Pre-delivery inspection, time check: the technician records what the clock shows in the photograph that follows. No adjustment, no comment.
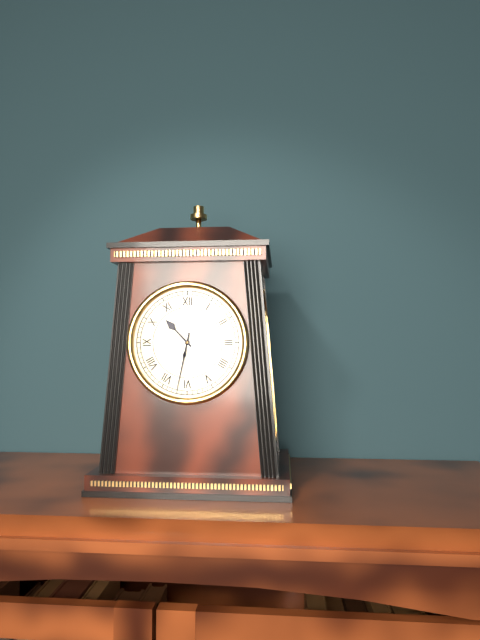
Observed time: 10:32
